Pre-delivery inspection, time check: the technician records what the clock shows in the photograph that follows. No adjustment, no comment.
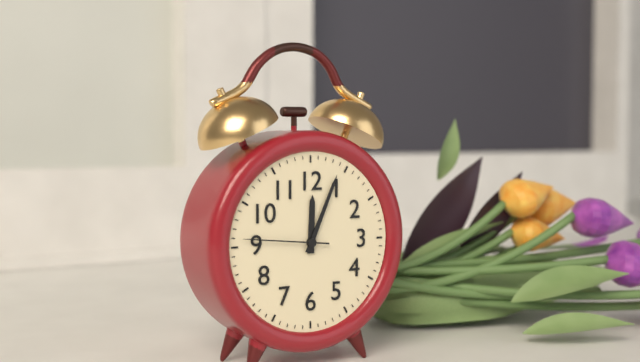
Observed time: 12:04:46
